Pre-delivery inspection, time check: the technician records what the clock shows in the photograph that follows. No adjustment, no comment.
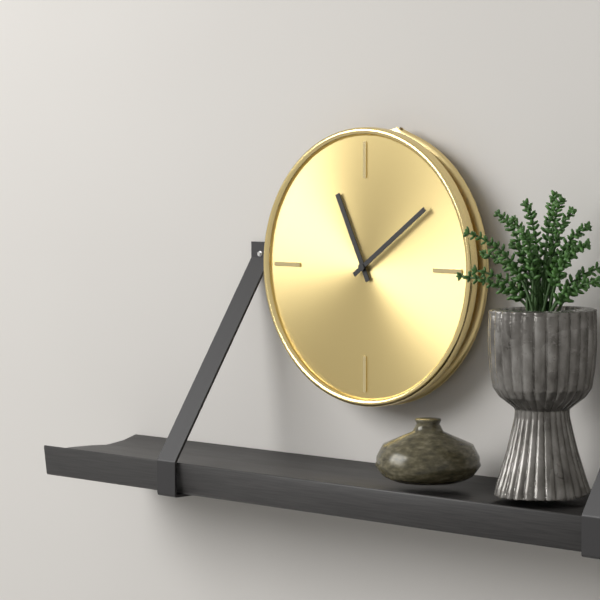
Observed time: 11:09
